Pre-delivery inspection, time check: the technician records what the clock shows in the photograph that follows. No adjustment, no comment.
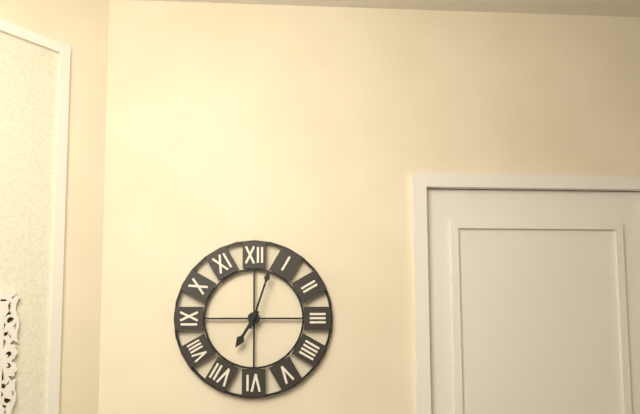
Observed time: 7:03
